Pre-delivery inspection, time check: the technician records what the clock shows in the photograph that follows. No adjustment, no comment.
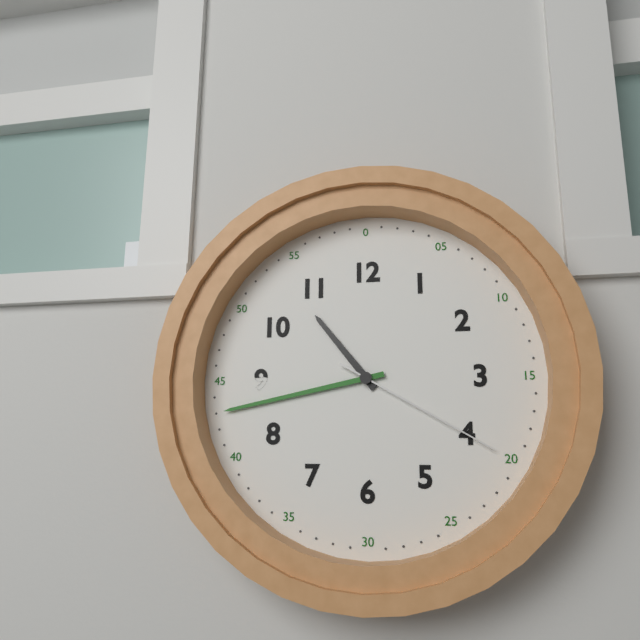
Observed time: 10:43:20
